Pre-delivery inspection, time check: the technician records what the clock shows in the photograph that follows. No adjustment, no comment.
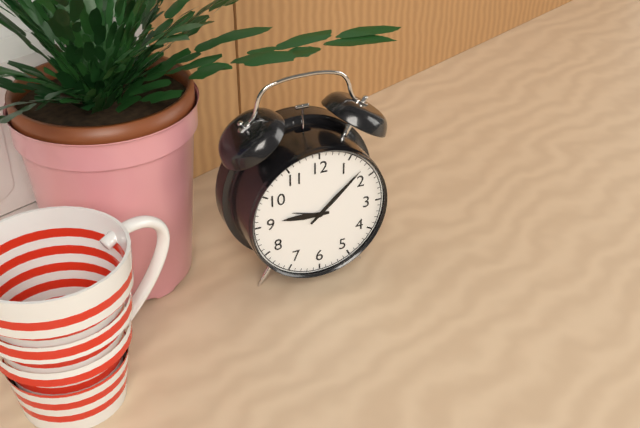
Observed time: 9:08
